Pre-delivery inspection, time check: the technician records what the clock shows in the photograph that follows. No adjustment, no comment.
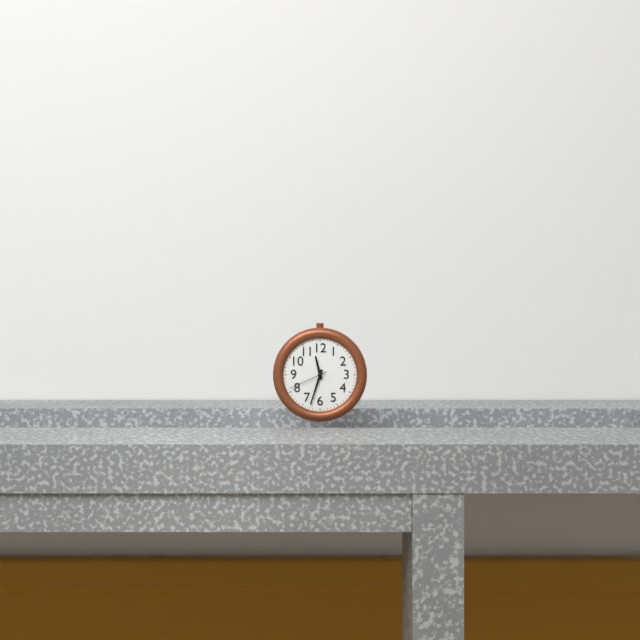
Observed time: 11:33
